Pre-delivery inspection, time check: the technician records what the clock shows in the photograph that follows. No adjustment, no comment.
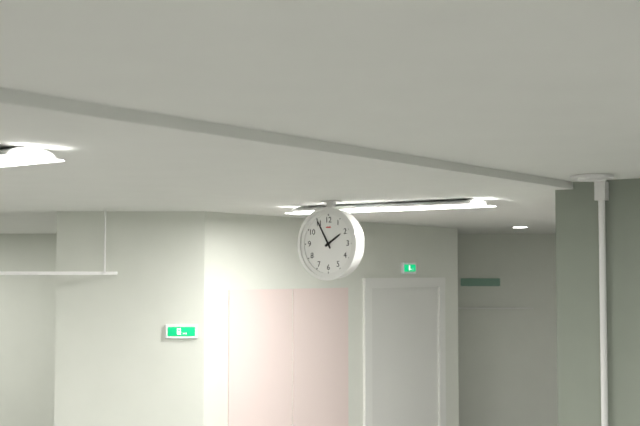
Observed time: 1:55
